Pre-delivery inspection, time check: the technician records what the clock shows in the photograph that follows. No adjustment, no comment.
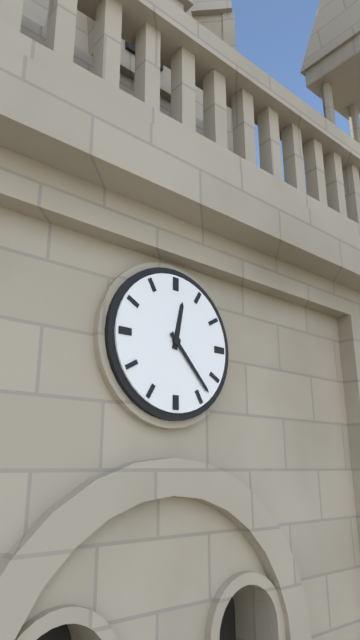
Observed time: 12:23
